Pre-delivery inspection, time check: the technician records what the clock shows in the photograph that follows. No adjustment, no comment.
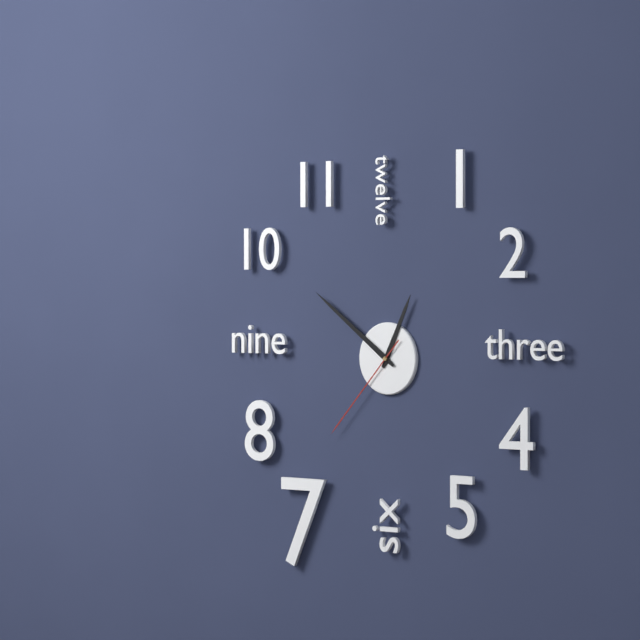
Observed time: 12:51:37
